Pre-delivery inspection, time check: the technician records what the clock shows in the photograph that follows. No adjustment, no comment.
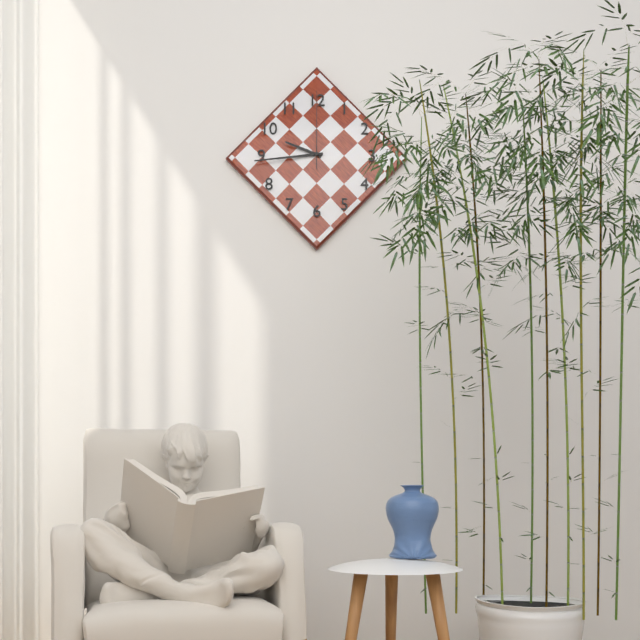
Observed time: 9:44:00
